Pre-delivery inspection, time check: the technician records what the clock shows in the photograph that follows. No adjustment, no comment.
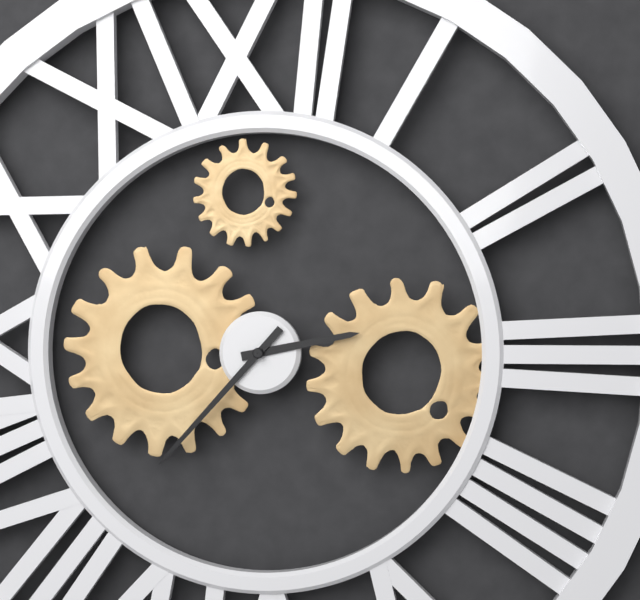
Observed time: 2:37
